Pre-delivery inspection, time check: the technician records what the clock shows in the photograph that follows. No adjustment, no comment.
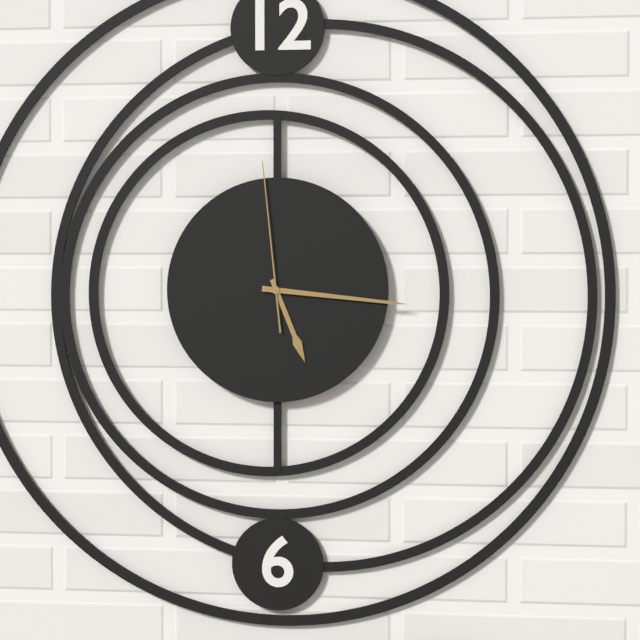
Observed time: 5:16:59
